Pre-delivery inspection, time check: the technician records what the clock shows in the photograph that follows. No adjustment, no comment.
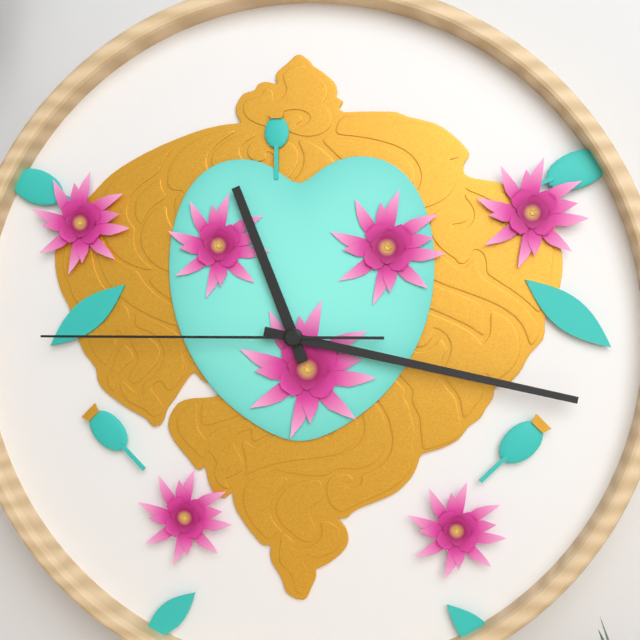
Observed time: 11:17:45
